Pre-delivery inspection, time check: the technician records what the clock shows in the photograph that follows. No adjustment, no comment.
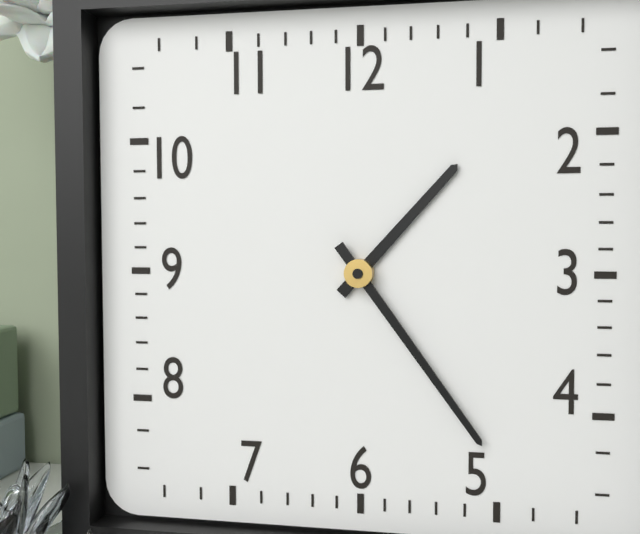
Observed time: 1:24
